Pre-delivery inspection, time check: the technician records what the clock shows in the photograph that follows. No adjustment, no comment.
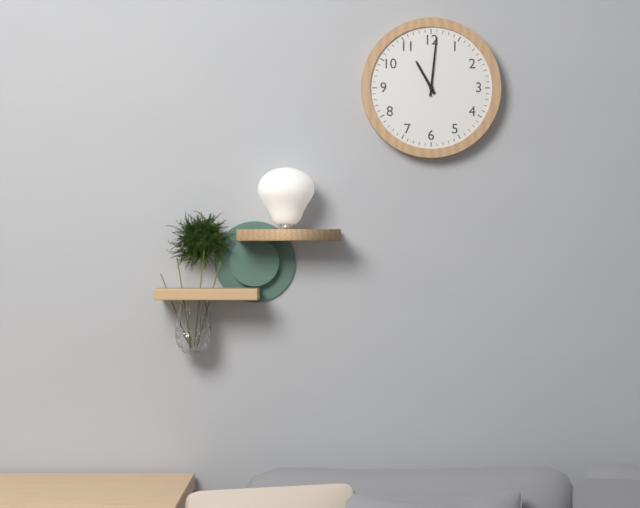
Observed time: 11:01
